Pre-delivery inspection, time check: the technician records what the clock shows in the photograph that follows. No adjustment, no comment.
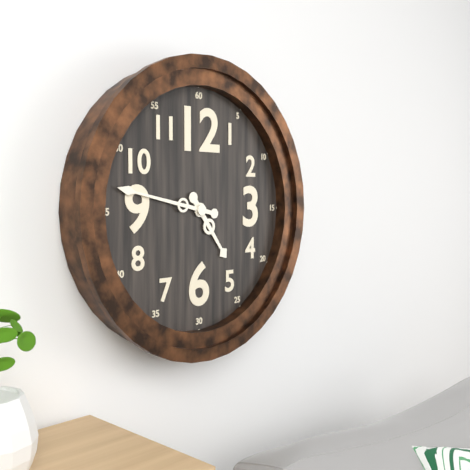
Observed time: 4:47
